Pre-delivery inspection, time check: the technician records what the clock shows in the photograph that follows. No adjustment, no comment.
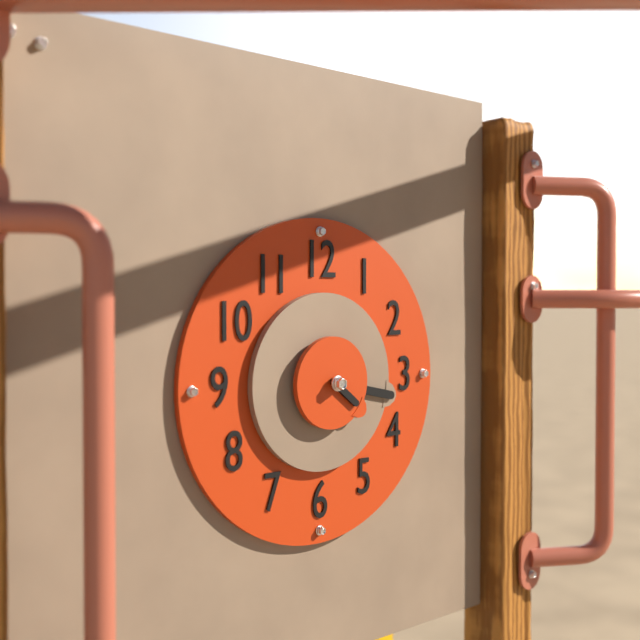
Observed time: 4:17
